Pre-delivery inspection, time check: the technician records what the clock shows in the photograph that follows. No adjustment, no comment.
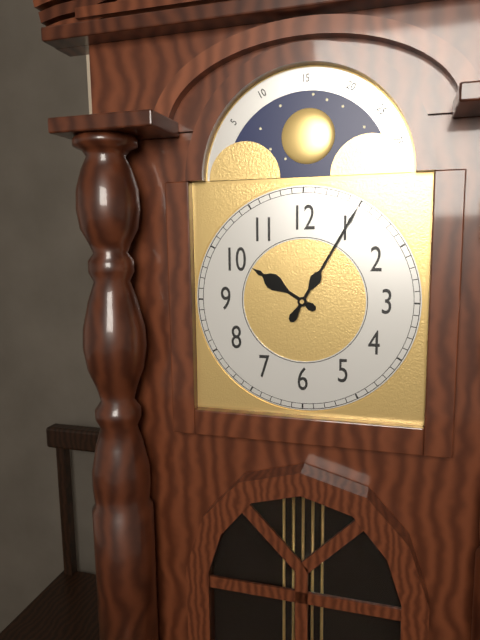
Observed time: 10:05
